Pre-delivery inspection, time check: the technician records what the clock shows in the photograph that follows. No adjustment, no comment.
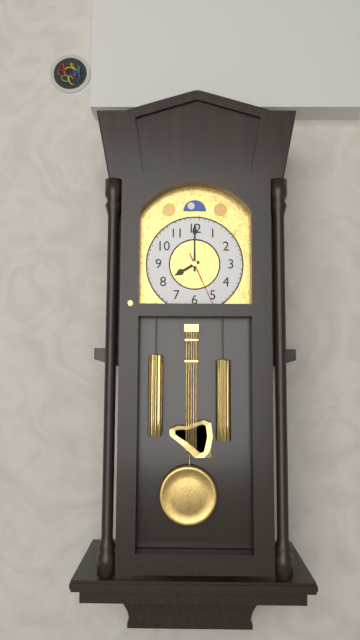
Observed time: 8:00:26
